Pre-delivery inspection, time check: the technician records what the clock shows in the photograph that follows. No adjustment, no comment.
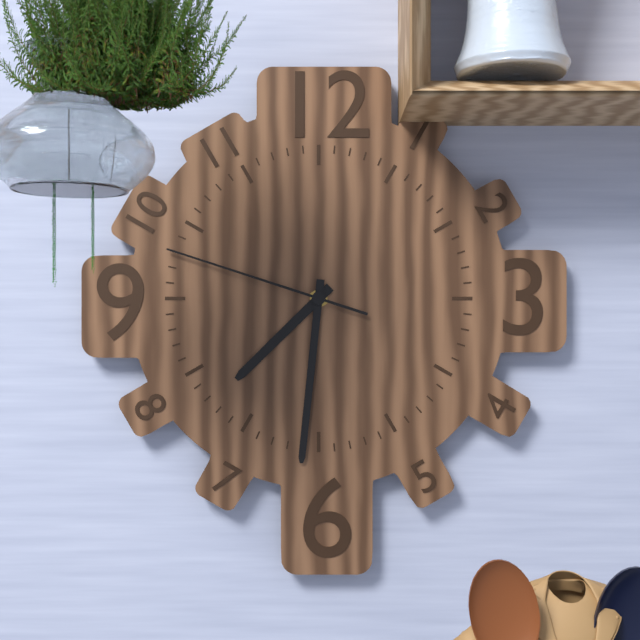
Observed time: 7:31:48
